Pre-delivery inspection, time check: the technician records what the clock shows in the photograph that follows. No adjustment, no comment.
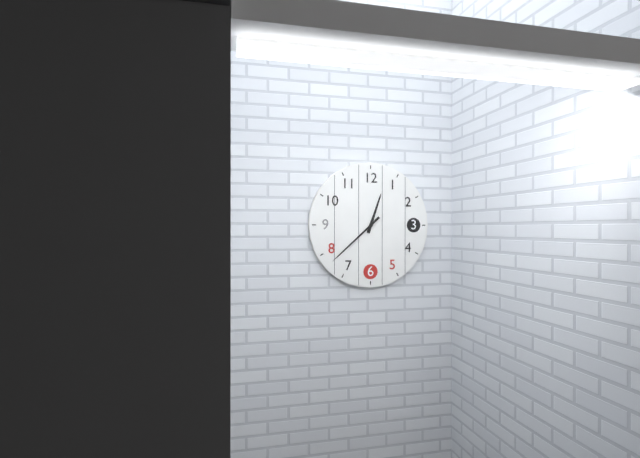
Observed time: 12:38
